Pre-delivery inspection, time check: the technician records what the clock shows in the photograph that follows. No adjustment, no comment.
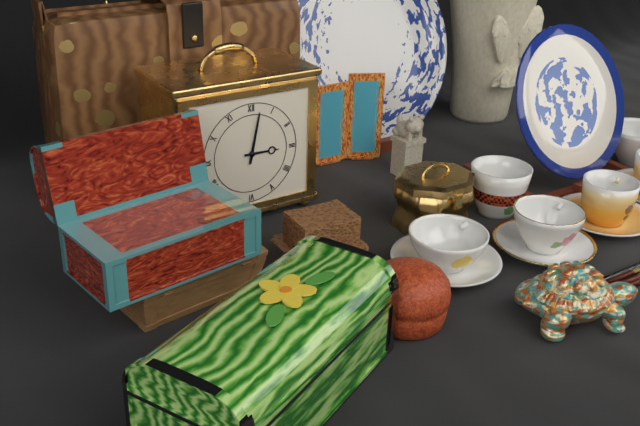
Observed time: 3:02
